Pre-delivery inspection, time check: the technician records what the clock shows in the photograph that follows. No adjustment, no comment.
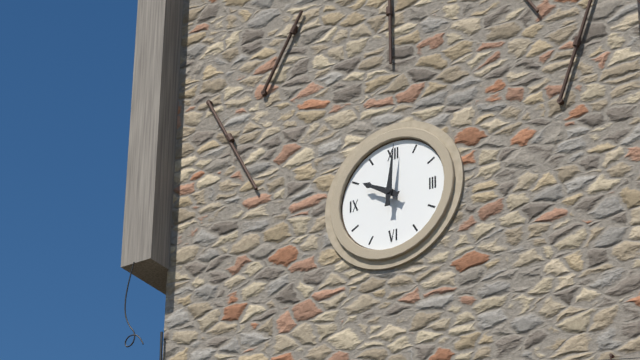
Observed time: 10:01
